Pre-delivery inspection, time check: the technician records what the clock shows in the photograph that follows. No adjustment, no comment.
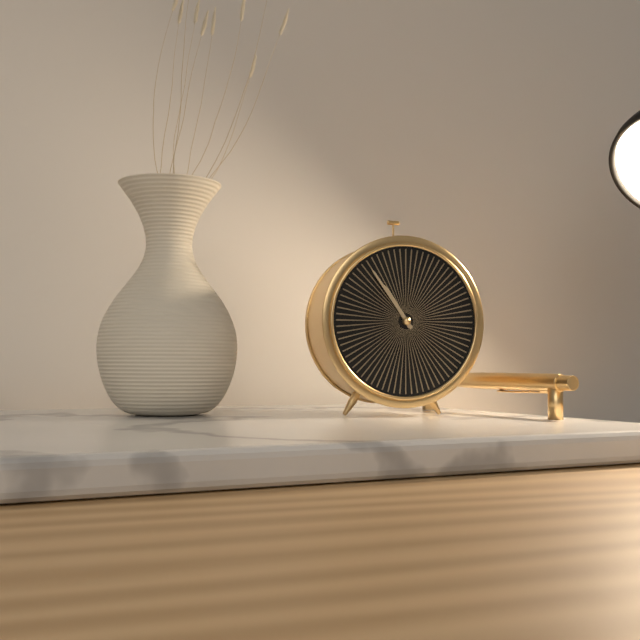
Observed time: 10:54
